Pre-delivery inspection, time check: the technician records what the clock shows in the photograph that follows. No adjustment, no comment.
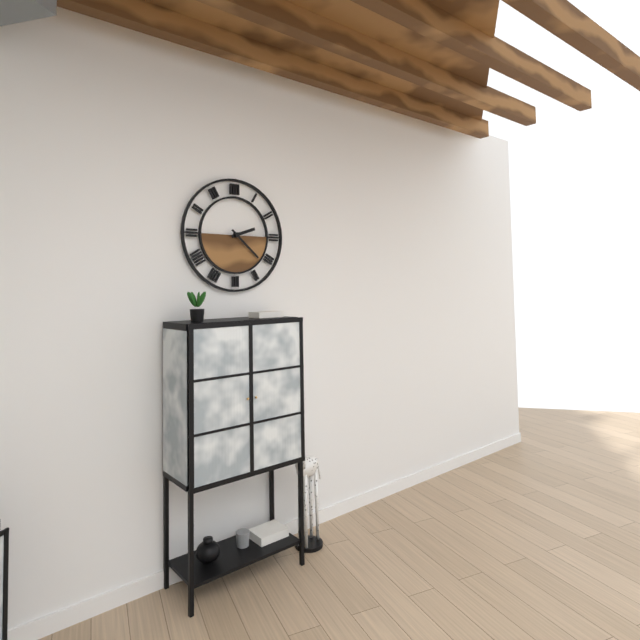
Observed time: 2:22
